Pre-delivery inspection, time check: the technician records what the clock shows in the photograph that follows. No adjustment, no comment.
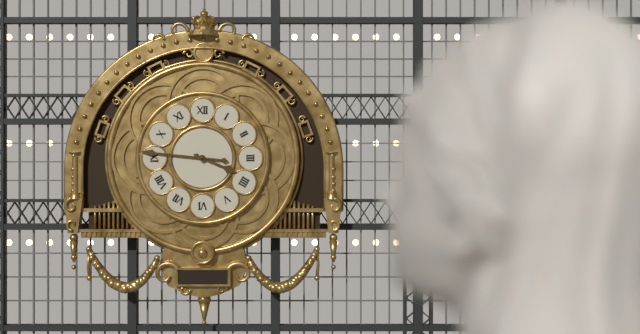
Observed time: 3:46
